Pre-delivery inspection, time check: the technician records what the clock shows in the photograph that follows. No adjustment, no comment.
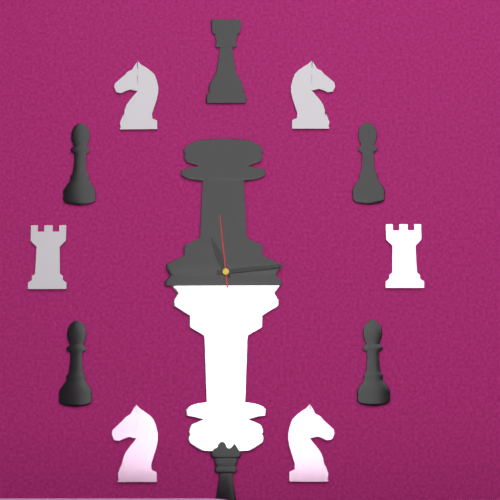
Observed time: 11:14:59
